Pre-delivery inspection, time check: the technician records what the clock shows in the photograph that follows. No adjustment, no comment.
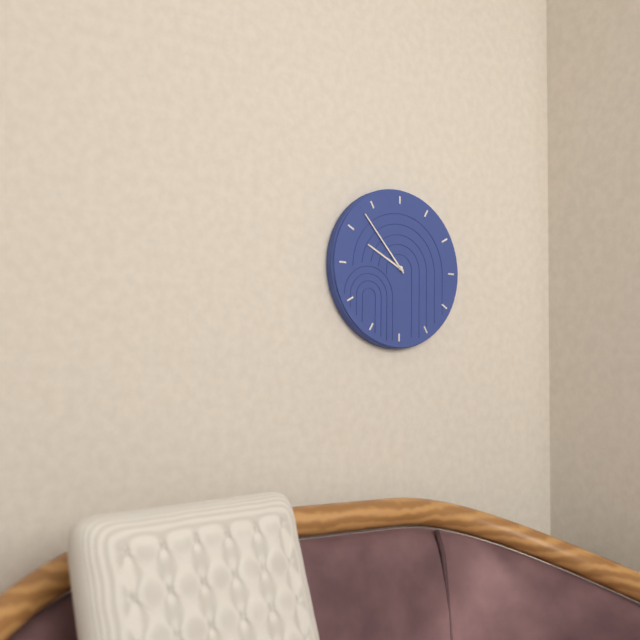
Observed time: 9:53
